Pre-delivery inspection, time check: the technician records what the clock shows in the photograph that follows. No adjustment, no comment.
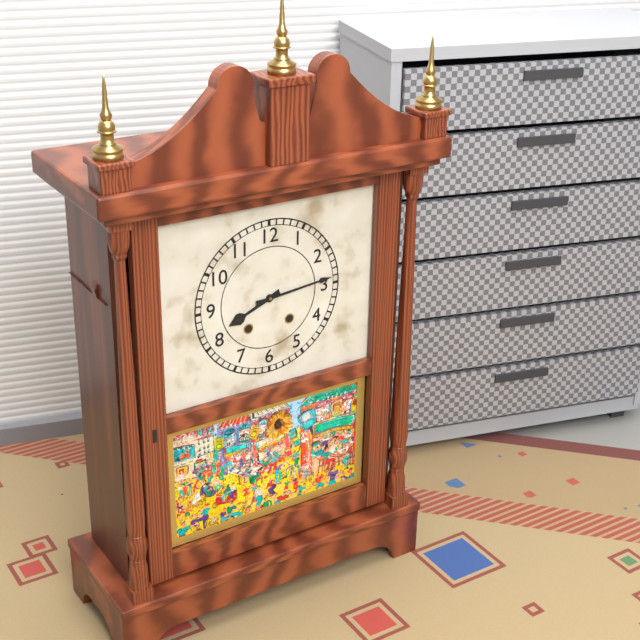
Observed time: 8:14
